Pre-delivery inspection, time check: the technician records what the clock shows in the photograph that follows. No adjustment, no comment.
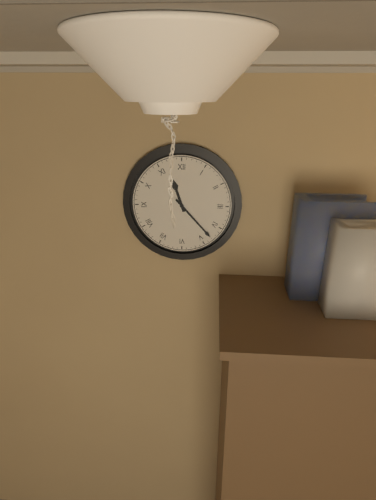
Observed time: 11:23
